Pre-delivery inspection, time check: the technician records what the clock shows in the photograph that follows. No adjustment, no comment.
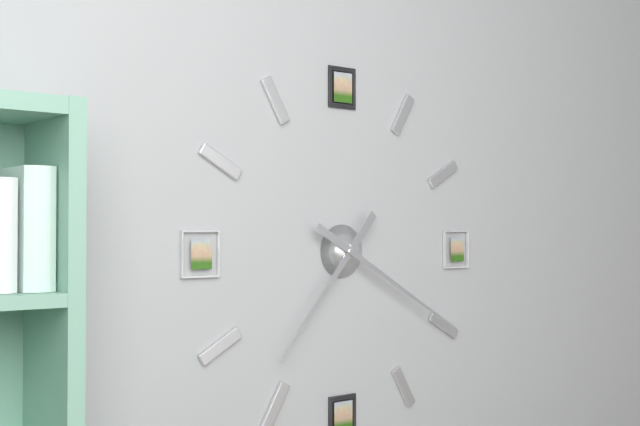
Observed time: 7:20
